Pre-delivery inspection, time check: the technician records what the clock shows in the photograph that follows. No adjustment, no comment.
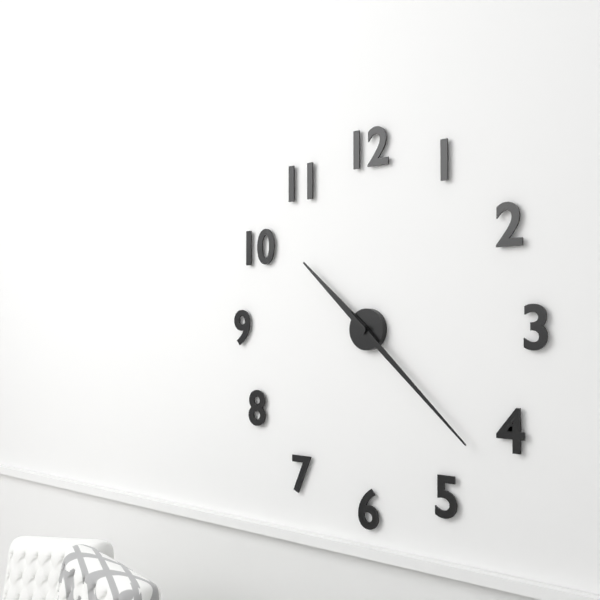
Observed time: 10:22
